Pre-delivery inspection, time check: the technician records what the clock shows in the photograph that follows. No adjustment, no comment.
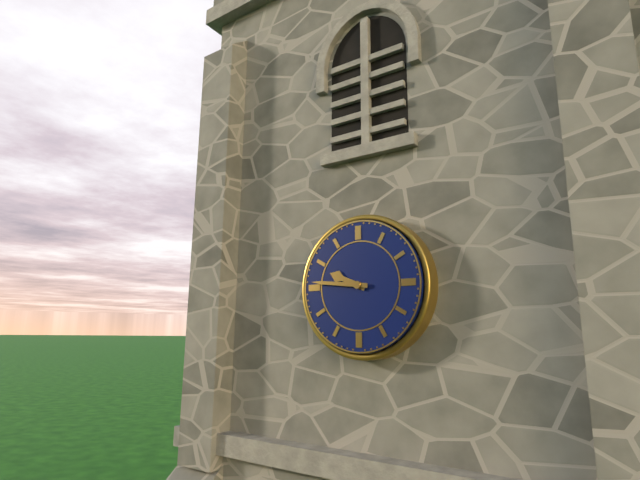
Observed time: 9:46
